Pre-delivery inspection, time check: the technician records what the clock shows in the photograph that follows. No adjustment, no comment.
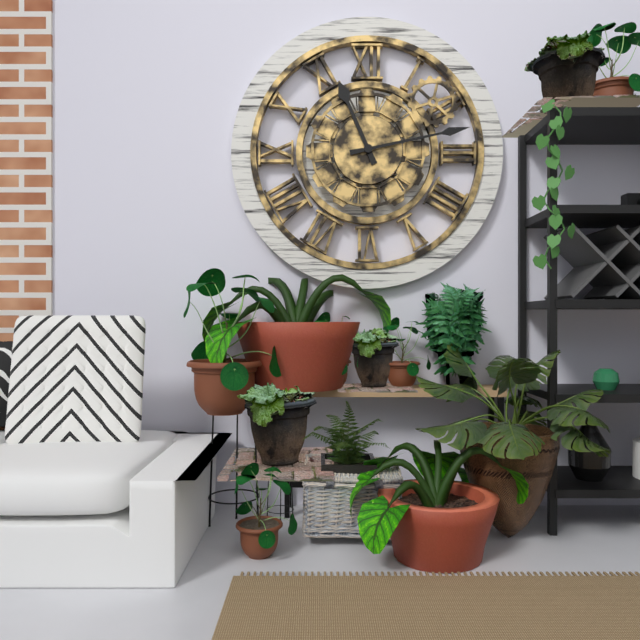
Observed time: 11:13
